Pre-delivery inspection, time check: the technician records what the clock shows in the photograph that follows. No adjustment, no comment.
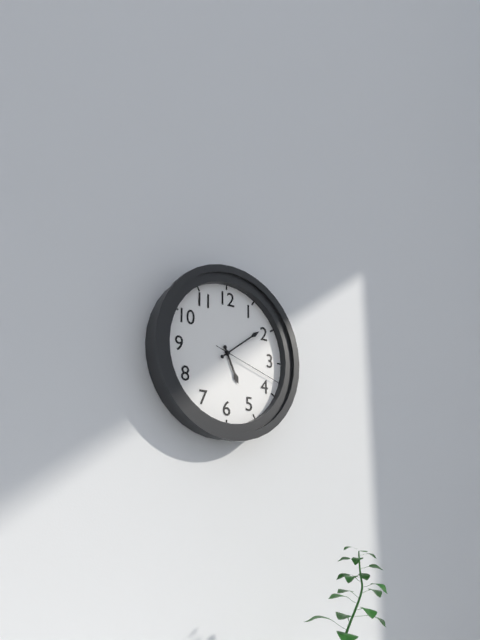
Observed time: 5:09:18
